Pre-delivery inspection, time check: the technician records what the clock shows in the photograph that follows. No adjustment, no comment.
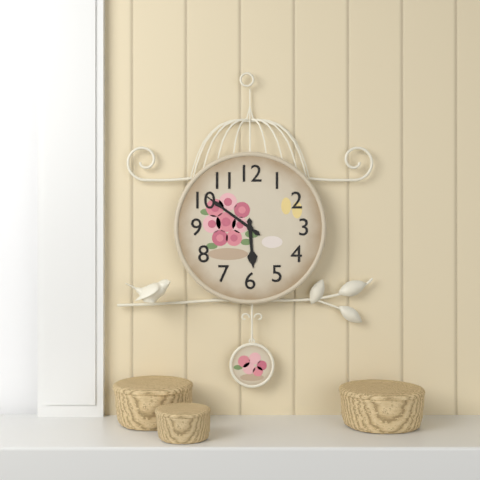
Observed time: 5:51
